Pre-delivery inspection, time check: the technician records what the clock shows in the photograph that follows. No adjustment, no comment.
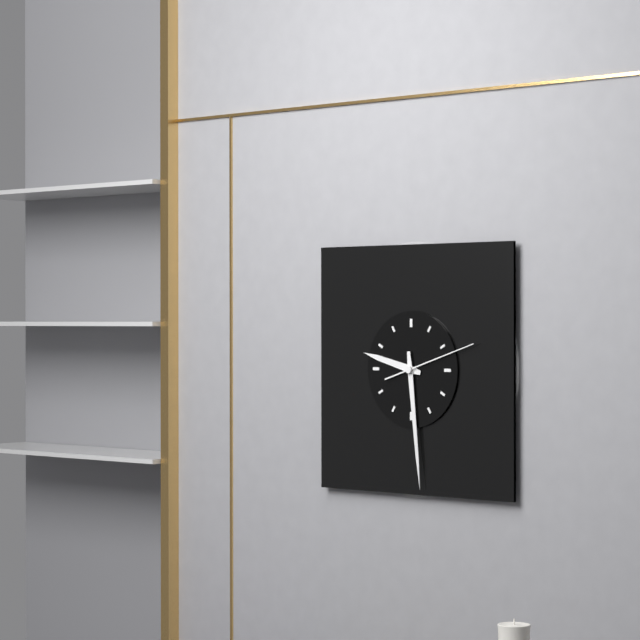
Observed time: 9:29:12
